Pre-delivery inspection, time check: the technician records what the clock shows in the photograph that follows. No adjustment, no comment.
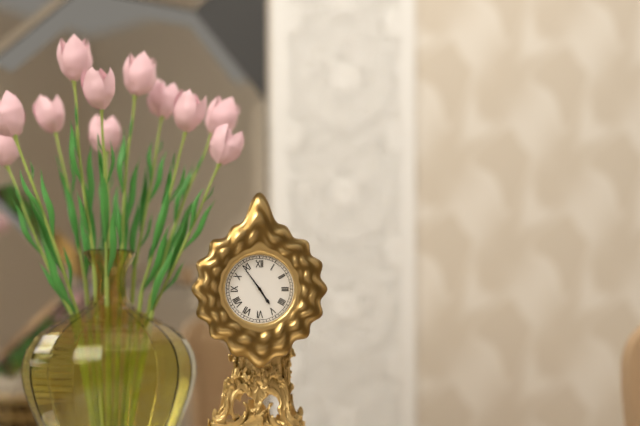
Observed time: 4:54
